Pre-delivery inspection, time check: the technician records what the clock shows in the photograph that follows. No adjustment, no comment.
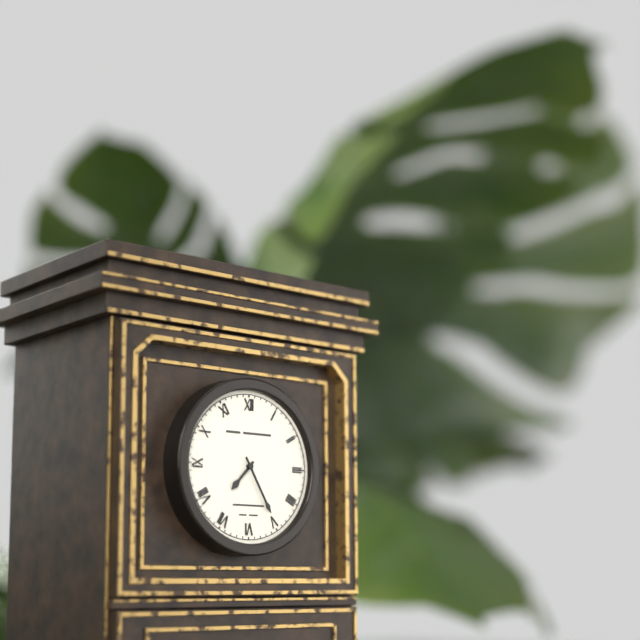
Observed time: 7:25
